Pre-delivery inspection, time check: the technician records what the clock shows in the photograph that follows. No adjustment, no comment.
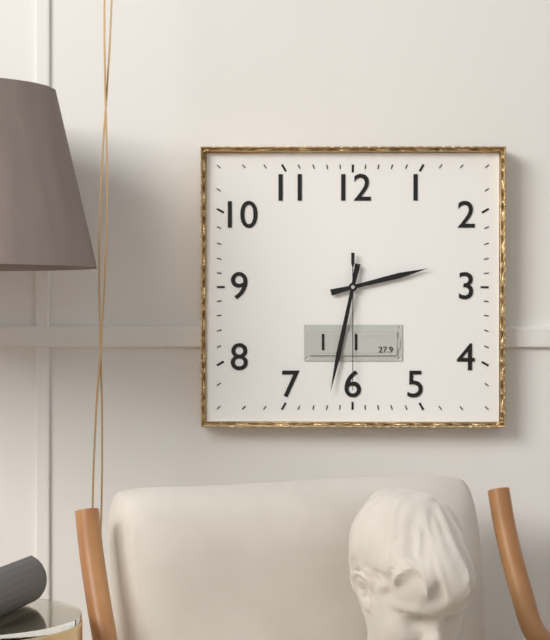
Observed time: 2:32:30
